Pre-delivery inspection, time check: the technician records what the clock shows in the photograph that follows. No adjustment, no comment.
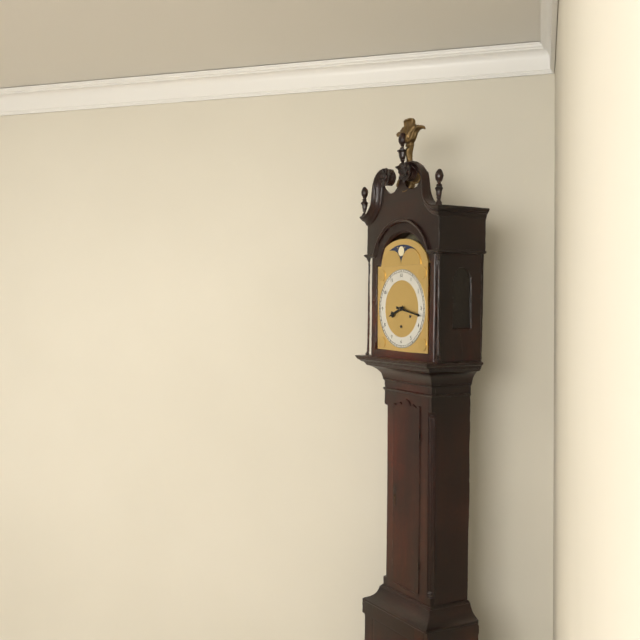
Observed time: 8:17
